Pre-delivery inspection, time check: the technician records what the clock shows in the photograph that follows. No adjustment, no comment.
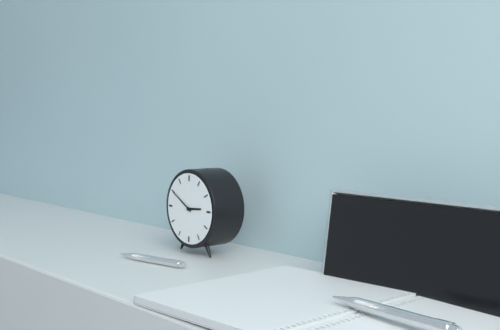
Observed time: 2:50
